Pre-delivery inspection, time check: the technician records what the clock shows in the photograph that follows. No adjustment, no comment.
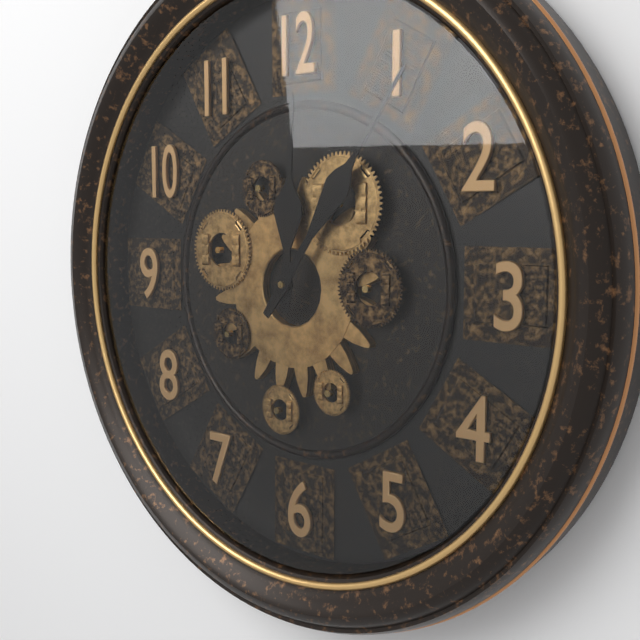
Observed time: 12:06
